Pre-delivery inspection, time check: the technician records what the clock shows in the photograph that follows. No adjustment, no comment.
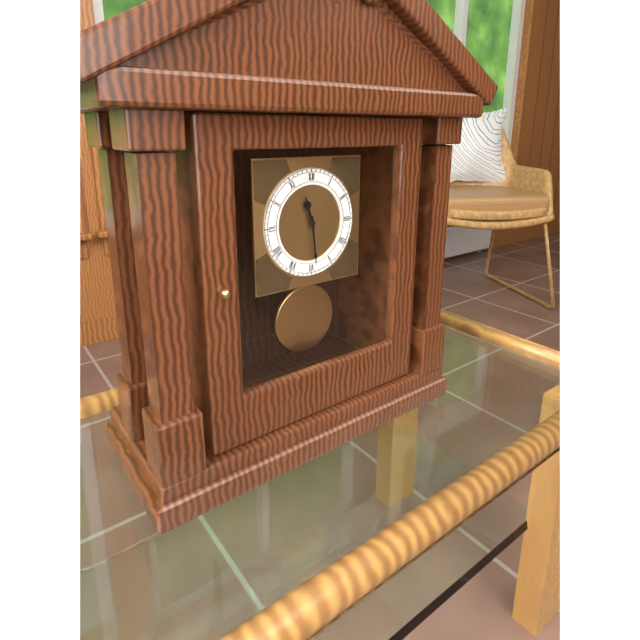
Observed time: 11:29
